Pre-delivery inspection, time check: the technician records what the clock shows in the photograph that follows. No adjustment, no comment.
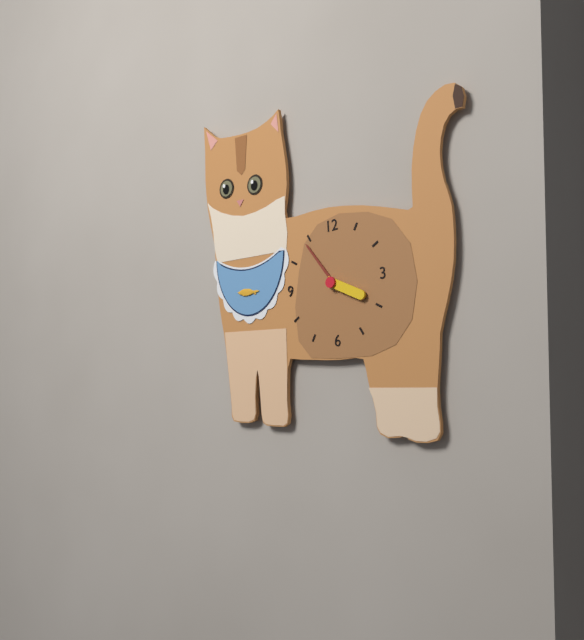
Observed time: 3:54
